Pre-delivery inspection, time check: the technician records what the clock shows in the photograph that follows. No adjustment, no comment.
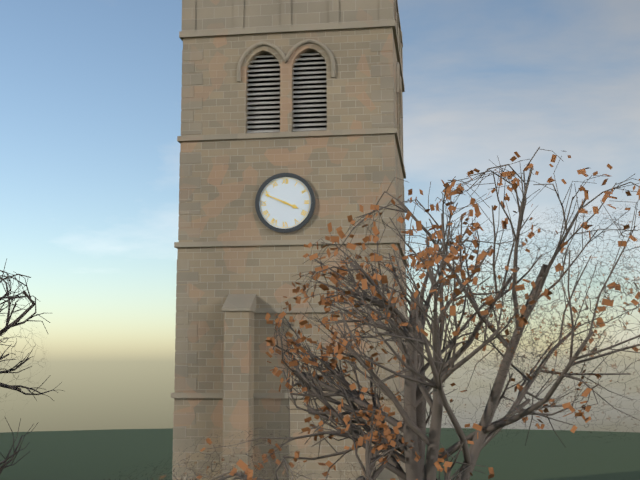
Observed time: 3:49
